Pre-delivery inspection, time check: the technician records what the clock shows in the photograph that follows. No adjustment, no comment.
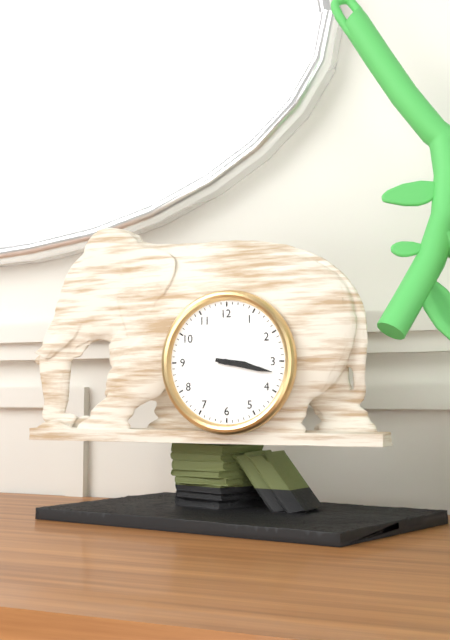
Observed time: 3:17
